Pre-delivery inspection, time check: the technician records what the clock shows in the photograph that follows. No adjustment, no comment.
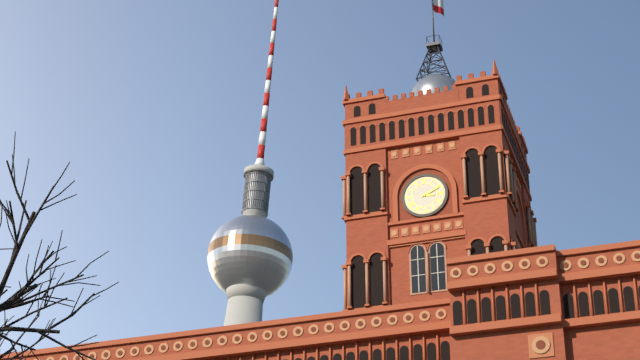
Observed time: 3:11
